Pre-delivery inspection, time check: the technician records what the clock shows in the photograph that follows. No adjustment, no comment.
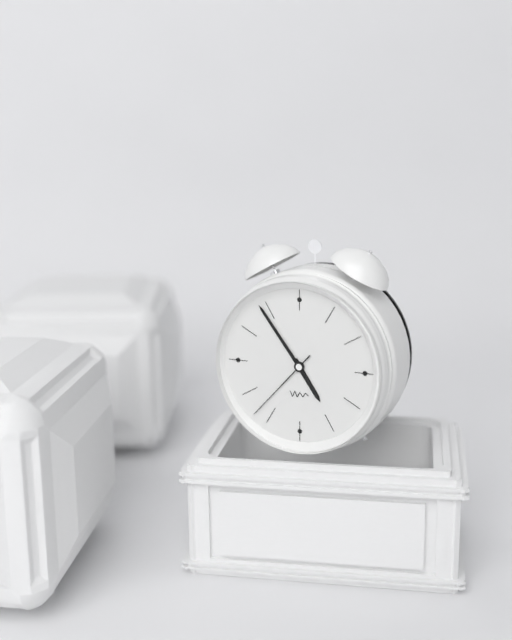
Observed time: 4:54:37
